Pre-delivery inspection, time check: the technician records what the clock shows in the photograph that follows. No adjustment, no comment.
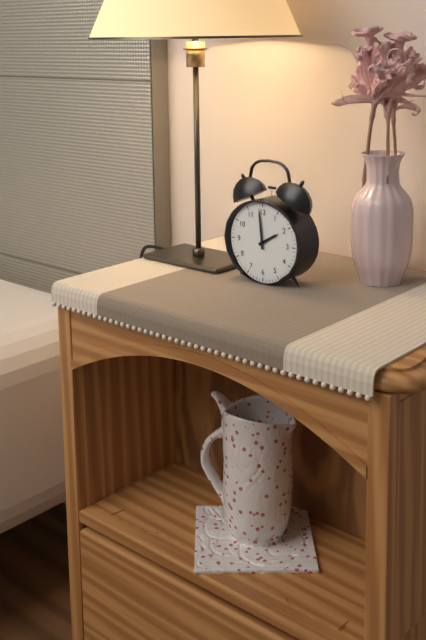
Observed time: 1:59
